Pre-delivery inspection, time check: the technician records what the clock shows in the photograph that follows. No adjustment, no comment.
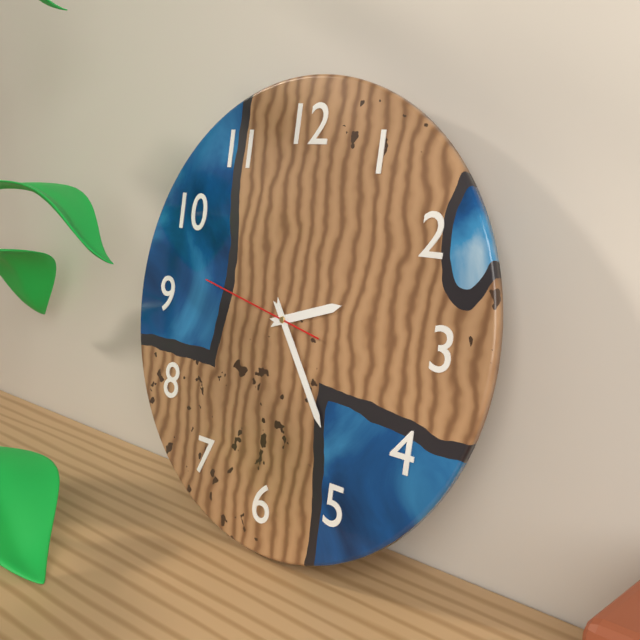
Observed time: 2:24:47
